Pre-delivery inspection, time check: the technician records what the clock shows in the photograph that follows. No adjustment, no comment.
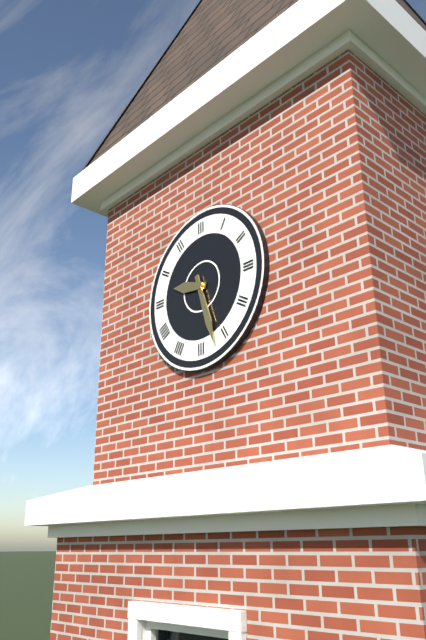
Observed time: 9:27
